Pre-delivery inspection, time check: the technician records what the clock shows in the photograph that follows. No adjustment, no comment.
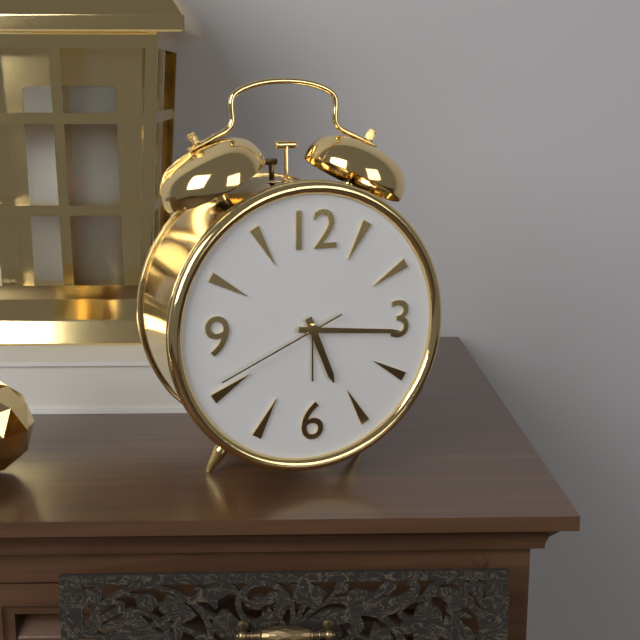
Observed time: 5:16:41
